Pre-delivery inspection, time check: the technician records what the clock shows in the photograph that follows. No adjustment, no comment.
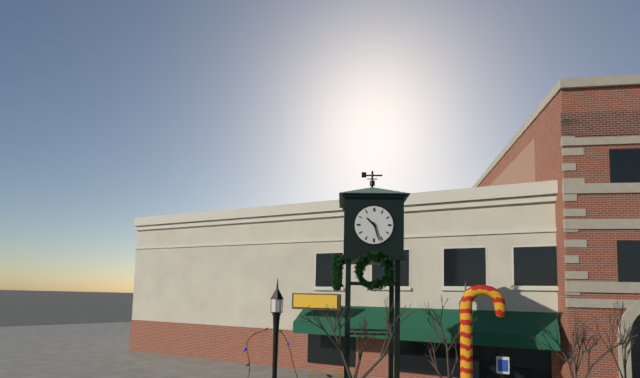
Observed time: 10:27
